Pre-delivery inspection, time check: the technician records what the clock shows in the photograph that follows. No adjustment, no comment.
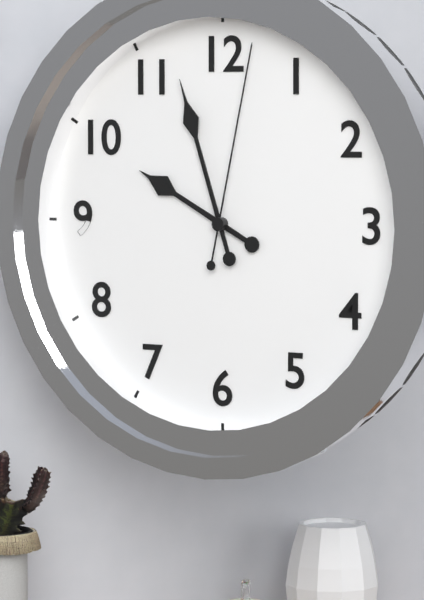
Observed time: 9:57:02
